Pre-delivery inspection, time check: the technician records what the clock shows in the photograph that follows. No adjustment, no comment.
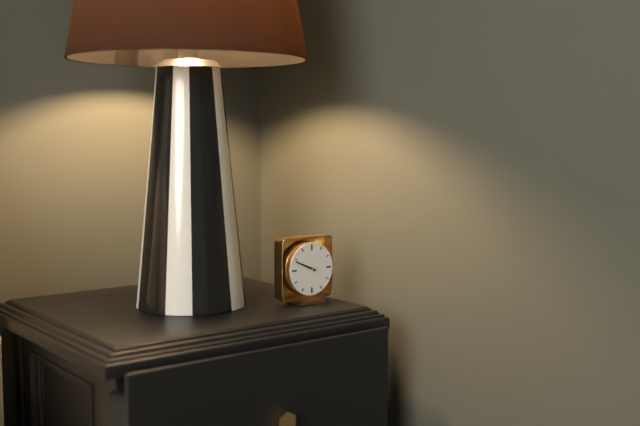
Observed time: 9:49
